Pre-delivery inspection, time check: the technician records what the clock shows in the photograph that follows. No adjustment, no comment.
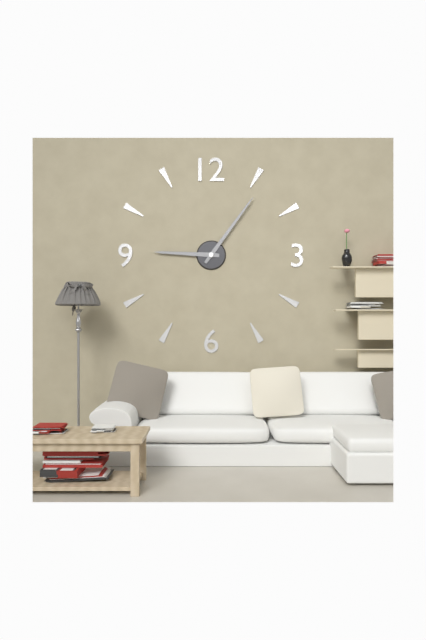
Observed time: 9:06
